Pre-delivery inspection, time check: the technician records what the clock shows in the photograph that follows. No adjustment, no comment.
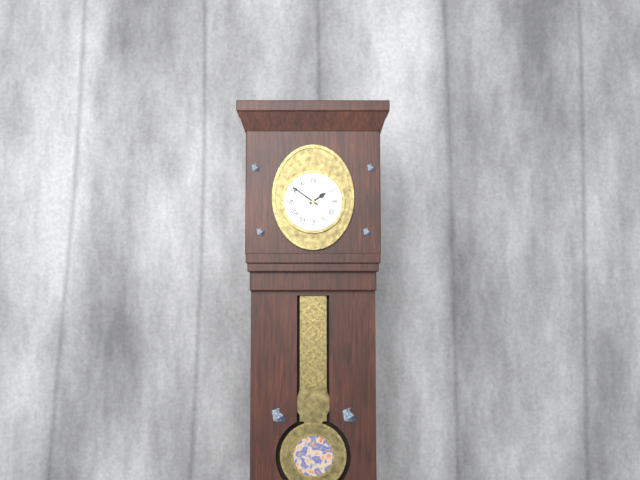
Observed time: 1:51
